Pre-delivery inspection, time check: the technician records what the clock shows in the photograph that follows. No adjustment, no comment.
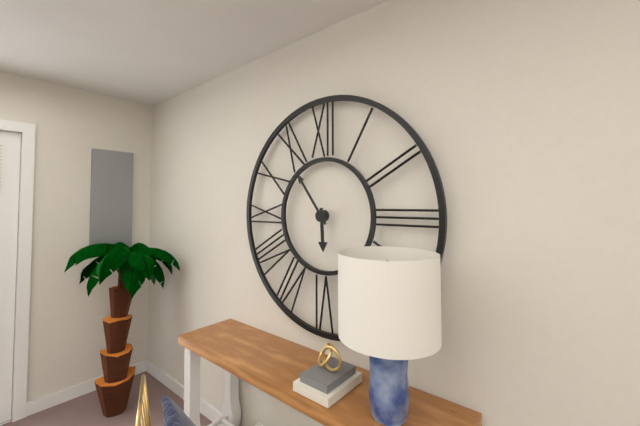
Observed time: 5:54
